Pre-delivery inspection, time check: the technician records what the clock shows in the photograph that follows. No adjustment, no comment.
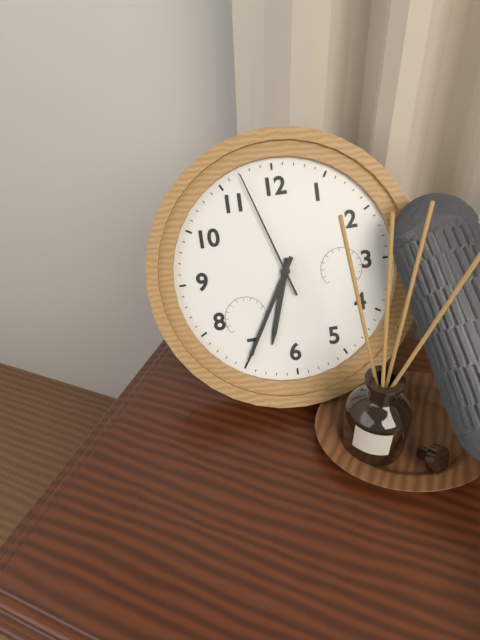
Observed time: 6:35:57
